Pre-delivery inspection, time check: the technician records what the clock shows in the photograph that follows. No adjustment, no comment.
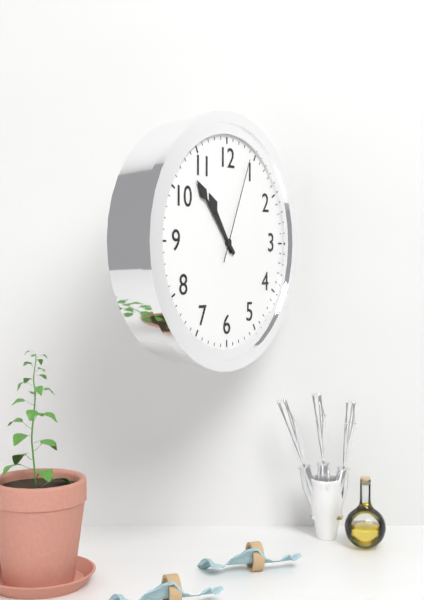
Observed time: 10:53:04
